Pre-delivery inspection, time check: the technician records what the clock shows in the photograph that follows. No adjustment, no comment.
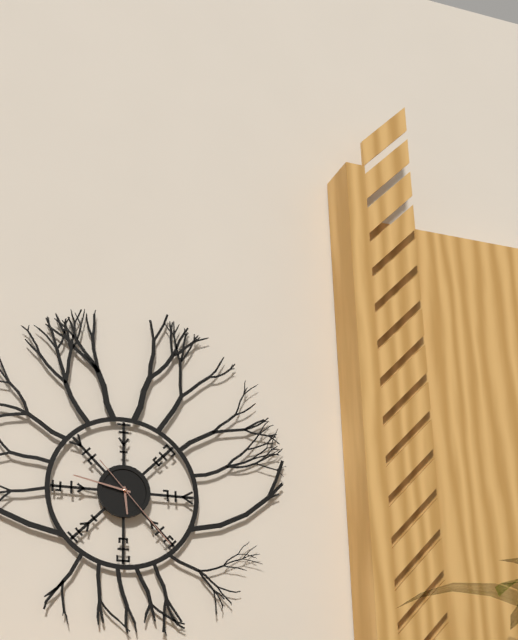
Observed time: 5:47:23
